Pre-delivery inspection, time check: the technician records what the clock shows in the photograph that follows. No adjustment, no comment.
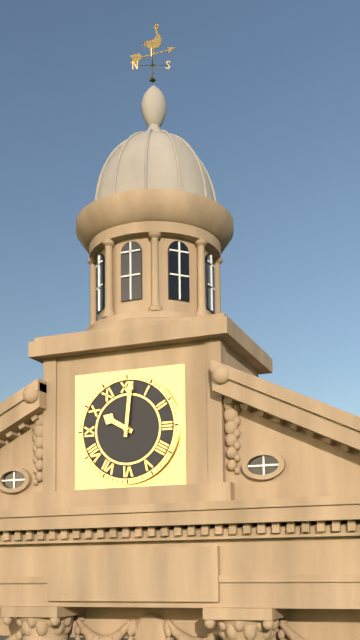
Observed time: 10:01
